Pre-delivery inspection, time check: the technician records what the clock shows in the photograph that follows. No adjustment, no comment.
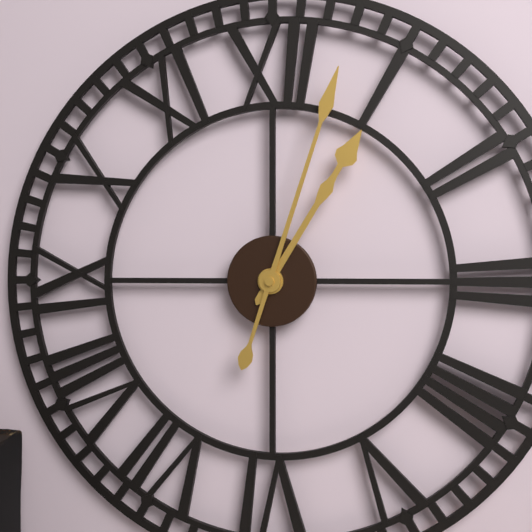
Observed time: 1:03
